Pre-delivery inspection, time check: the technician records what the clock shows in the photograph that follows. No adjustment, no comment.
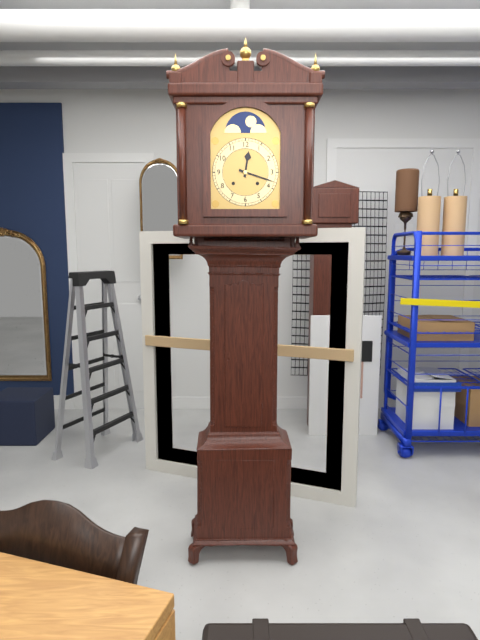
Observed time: 12:18
